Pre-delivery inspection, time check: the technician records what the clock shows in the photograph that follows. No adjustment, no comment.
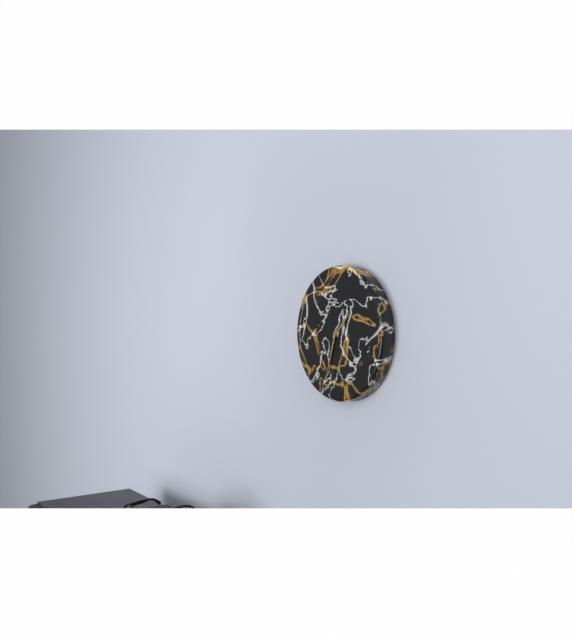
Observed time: 1:33
